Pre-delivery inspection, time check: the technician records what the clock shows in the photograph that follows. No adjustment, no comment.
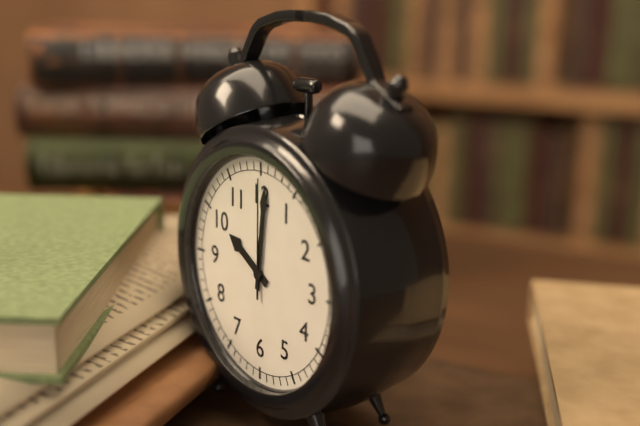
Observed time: 10:01:00
